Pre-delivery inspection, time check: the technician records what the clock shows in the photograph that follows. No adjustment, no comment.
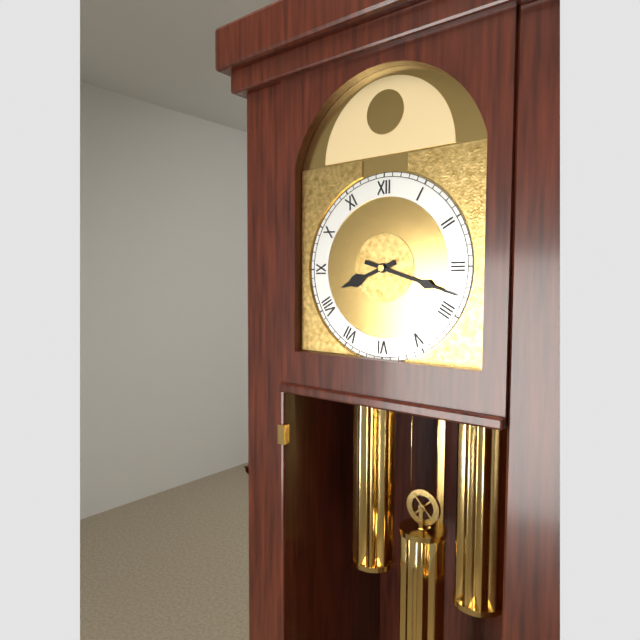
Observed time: 8:18
